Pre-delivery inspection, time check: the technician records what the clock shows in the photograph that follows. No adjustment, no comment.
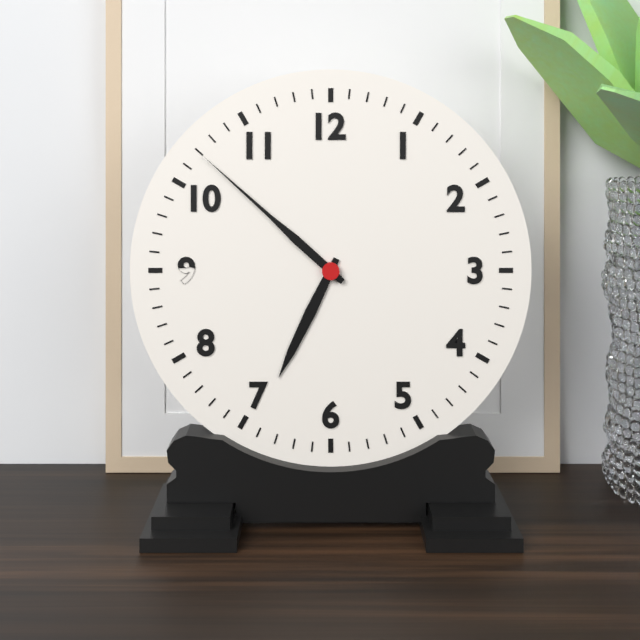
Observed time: 6:52
